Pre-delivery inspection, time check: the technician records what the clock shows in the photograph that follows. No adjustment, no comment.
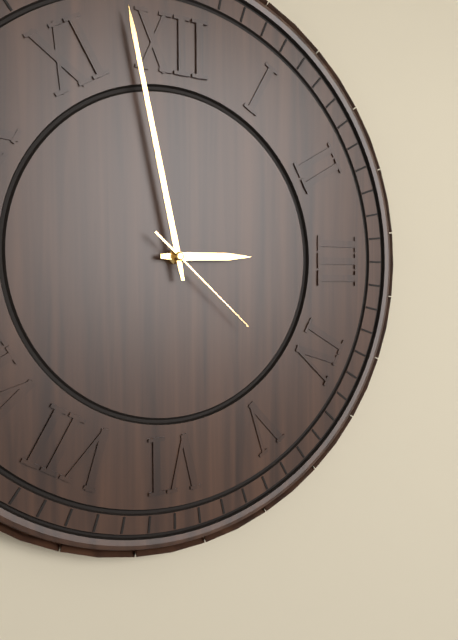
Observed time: 2:58:22
